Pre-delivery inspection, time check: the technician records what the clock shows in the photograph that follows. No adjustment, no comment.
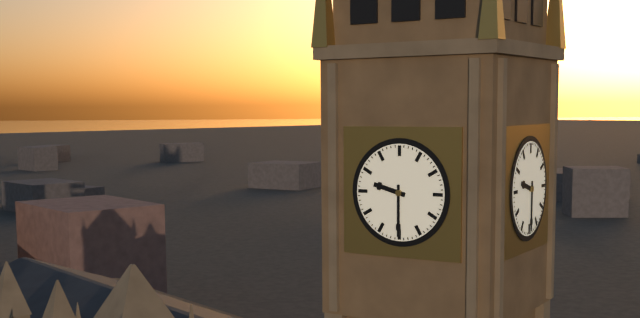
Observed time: 9:30
